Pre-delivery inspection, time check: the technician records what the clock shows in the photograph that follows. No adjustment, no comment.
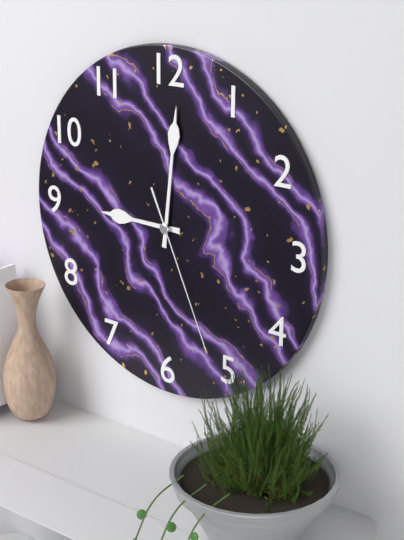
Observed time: 9:01:26
